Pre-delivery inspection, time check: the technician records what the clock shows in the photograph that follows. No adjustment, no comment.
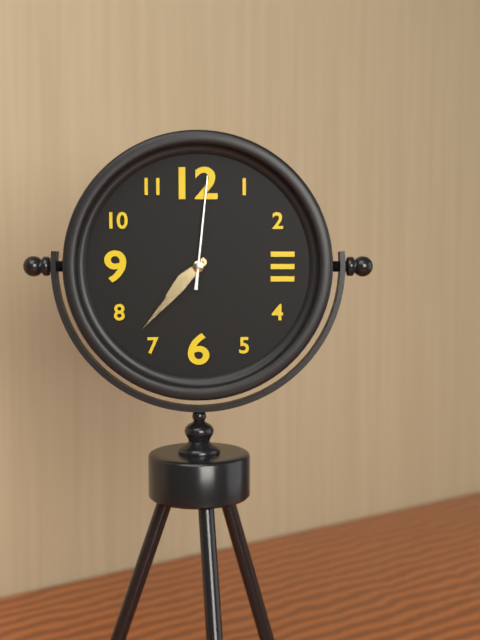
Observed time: 7:37:01
